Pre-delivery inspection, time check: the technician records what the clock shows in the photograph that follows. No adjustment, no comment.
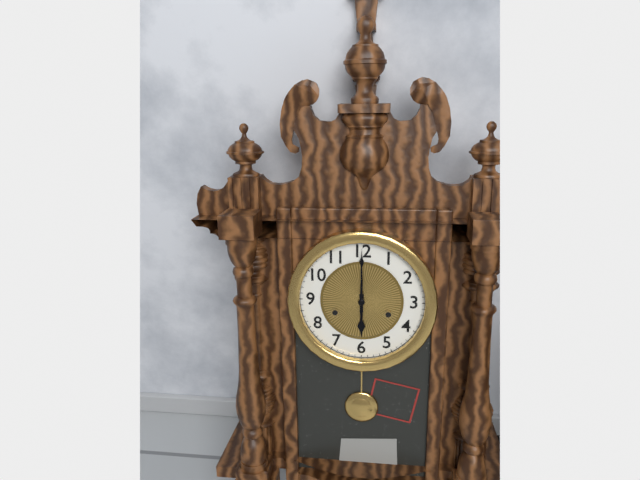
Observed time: 6:00
